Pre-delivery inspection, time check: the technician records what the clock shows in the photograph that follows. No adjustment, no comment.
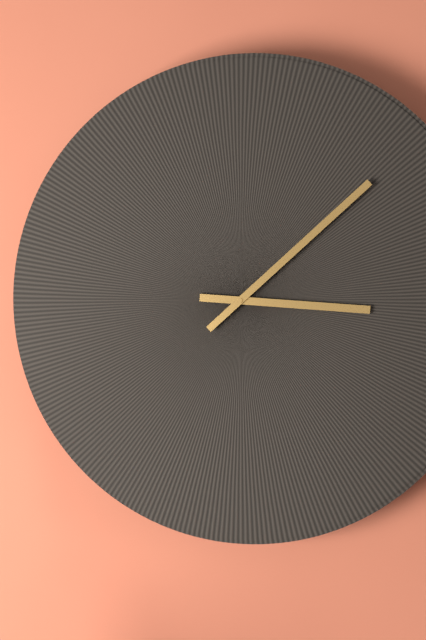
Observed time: 3:08
